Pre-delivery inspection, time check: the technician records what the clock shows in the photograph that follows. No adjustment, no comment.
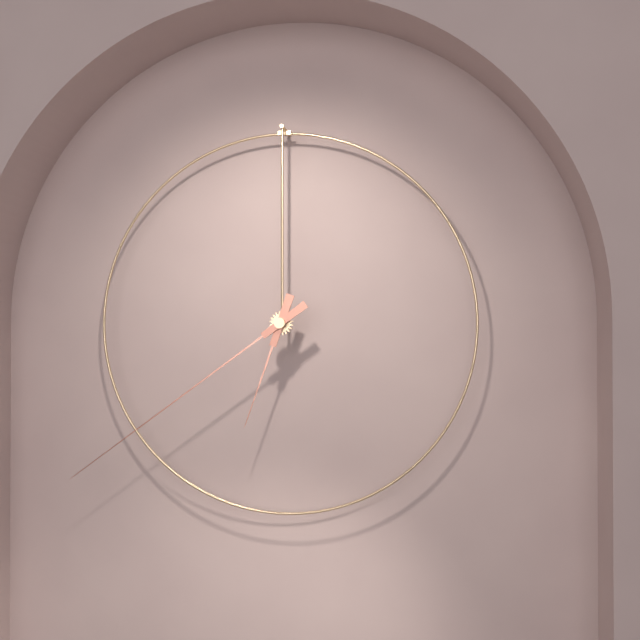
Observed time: 6:39
